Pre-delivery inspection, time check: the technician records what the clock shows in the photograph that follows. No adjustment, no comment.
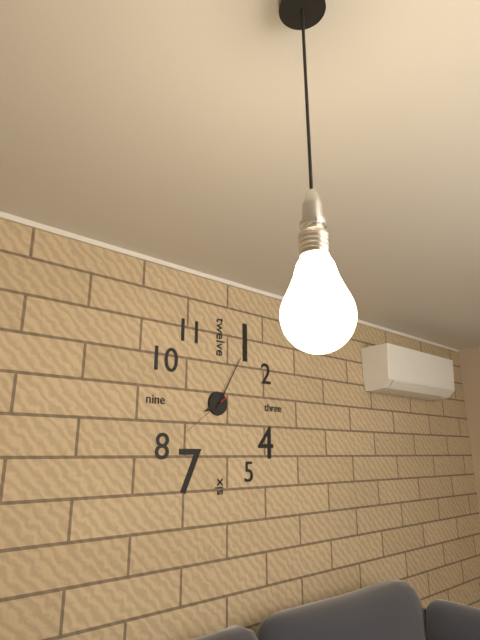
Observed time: 8:05:39
